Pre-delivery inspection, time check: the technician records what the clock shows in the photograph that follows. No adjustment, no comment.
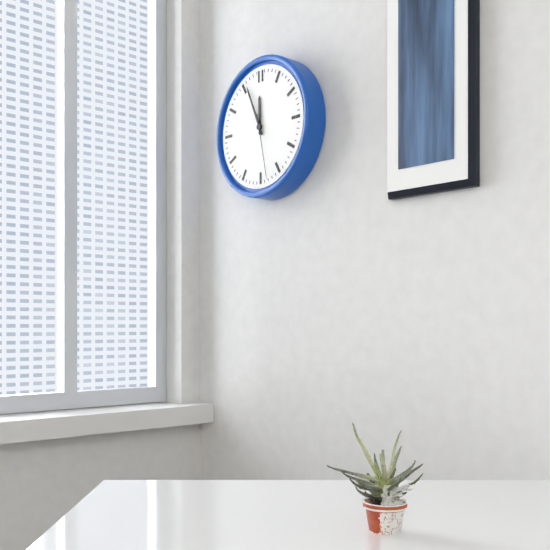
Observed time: 11:56:28
